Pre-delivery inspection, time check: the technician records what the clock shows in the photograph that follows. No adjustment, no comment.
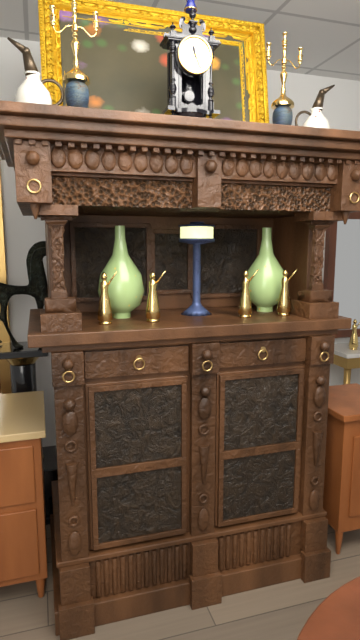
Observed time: 11:26
